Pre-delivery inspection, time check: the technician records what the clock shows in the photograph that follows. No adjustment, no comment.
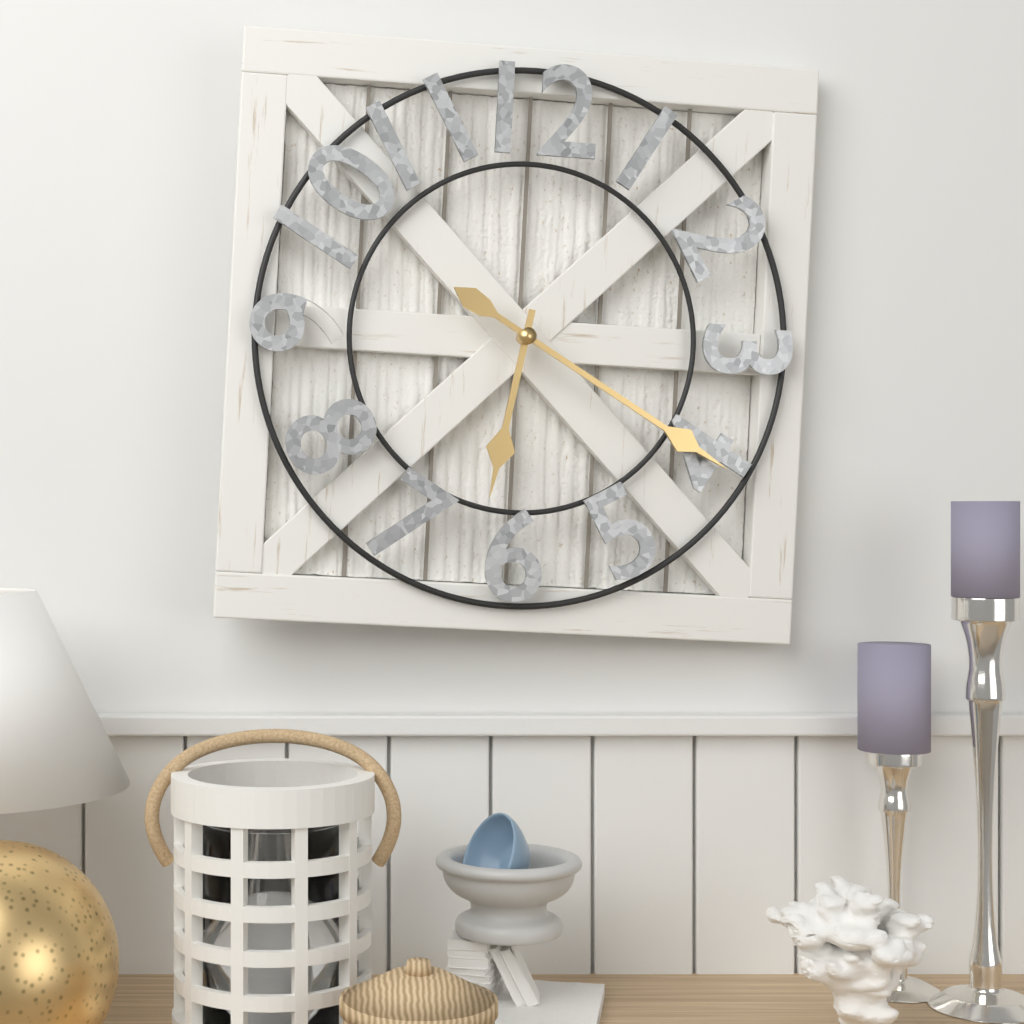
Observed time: 6:20
